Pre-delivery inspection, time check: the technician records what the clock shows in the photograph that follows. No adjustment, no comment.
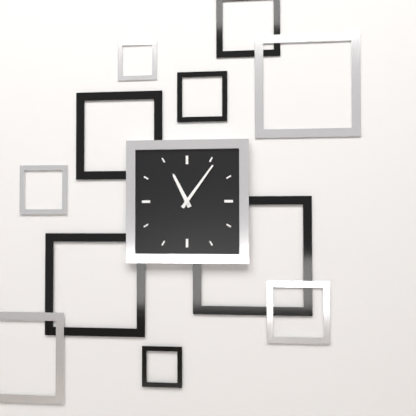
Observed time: 11:06
